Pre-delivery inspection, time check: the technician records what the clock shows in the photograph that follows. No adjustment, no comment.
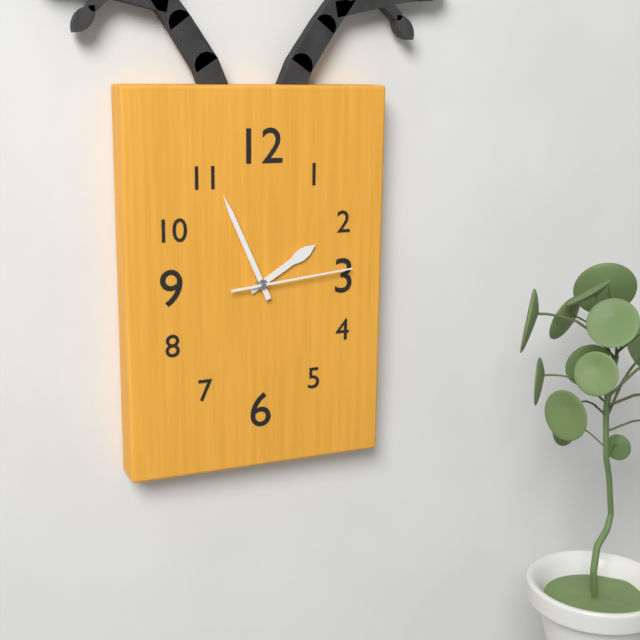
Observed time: 1:56:14
